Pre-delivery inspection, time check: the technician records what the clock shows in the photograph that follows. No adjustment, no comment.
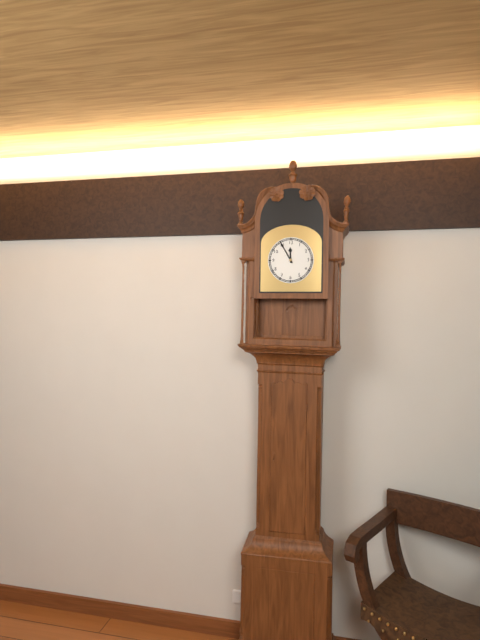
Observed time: 11:55
